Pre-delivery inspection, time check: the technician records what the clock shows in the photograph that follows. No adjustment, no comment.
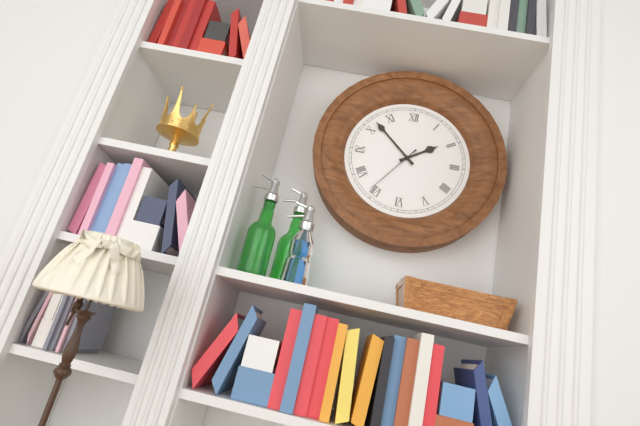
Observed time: 1:52:36
